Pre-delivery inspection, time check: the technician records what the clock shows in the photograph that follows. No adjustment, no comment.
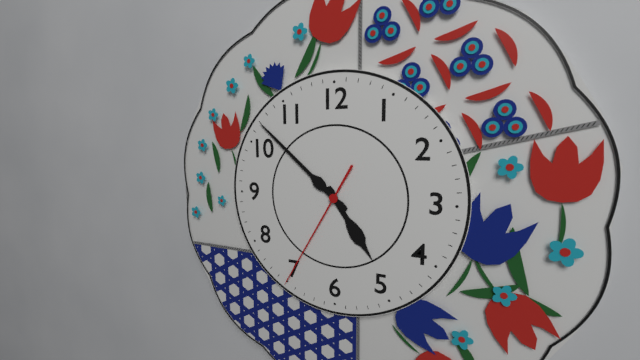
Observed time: 4:52:35
